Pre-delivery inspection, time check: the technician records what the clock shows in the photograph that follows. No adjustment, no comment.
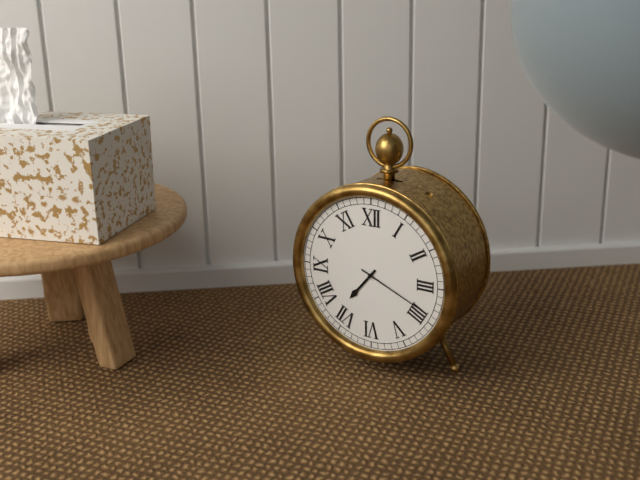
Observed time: 7:19
